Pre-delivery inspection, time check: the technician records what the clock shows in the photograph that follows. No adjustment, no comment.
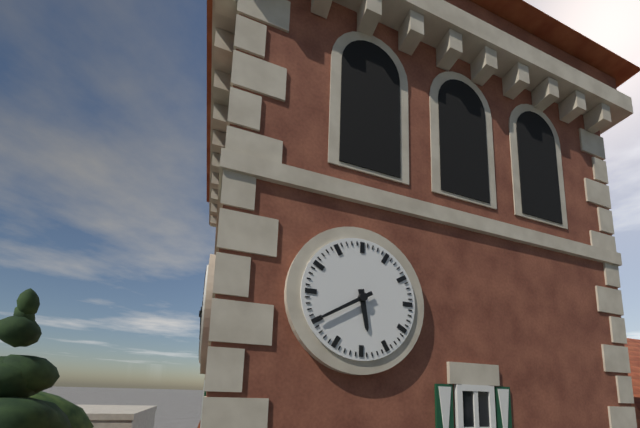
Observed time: 5:40
